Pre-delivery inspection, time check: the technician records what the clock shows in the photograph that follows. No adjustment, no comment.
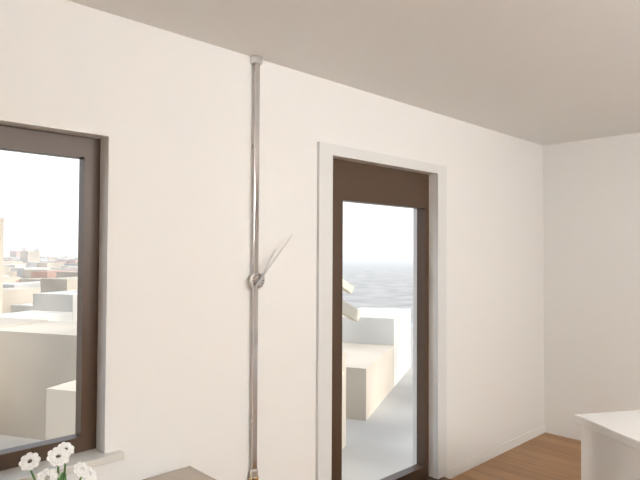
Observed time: 1:07
